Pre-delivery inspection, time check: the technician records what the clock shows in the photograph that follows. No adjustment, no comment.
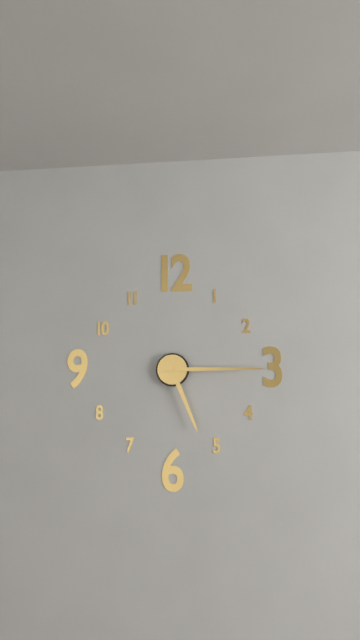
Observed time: 5:15
